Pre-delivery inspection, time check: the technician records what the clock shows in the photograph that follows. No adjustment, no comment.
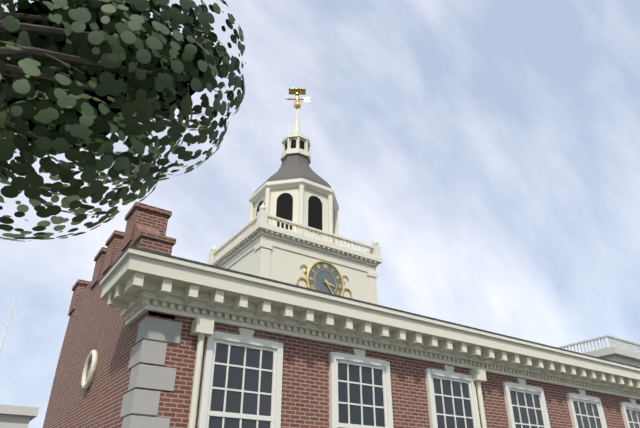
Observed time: 3:24
